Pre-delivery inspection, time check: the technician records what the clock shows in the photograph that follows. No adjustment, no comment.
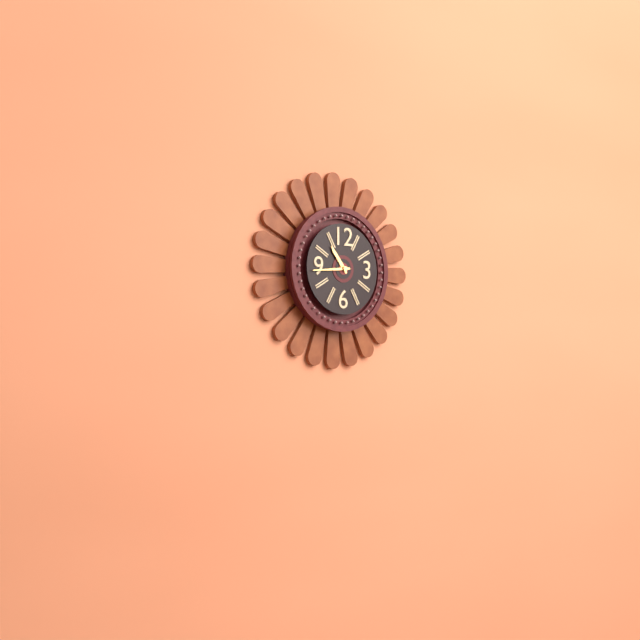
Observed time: 10:44
